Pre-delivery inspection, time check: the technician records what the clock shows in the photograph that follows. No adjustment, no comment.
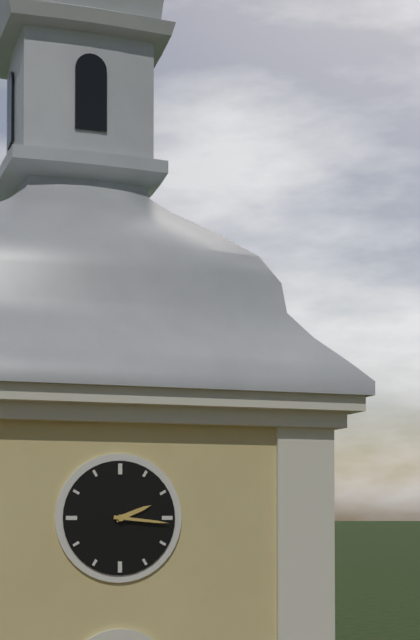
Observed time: 2:16
